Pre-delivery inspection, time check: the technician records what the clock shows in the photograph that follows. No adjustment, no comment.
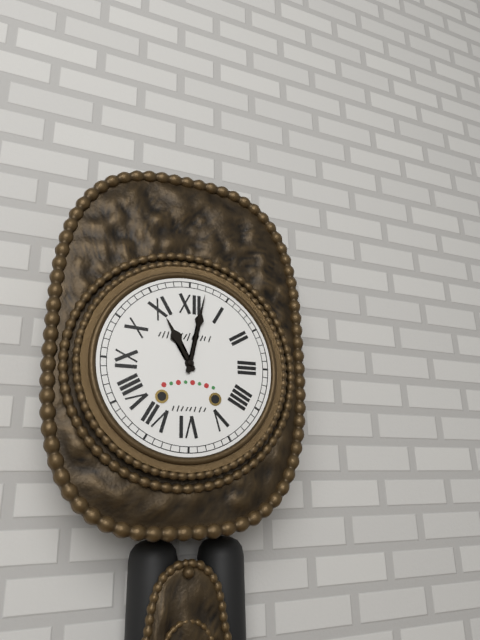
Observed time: 11:02
